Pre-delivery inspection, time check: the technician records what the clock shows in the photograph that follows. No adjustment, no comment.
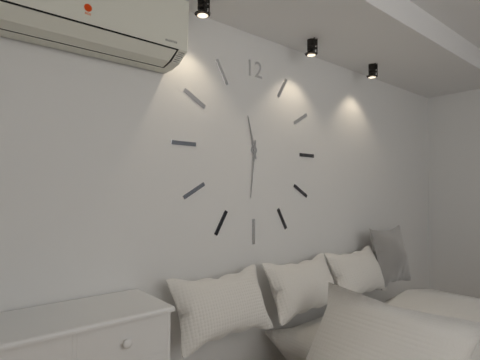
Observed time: 11:31
